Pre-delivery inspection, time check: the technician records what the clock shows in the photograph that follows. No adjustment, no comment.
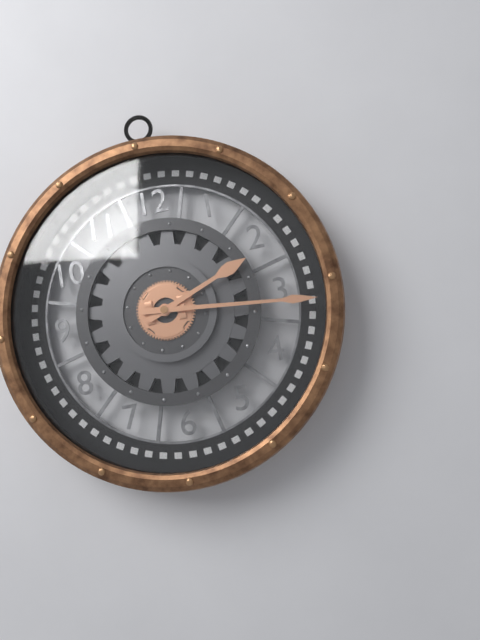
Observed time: 2:16
